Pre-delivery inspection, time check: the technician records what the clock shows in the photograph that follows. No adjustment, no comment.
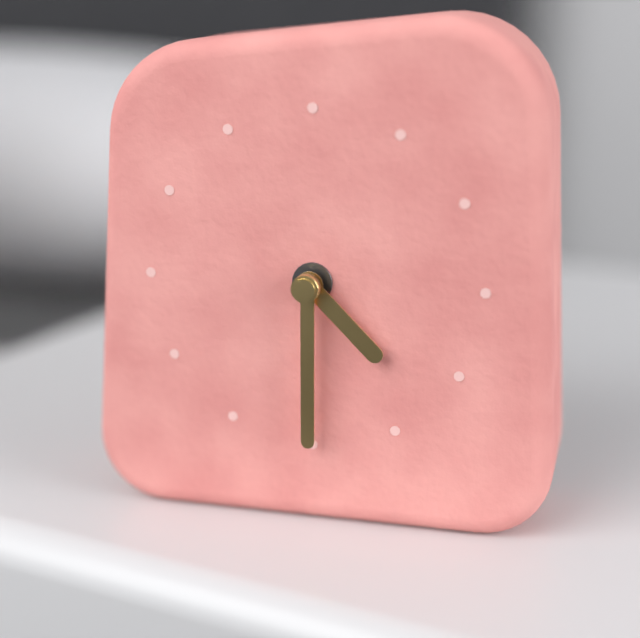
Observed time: 4:30
